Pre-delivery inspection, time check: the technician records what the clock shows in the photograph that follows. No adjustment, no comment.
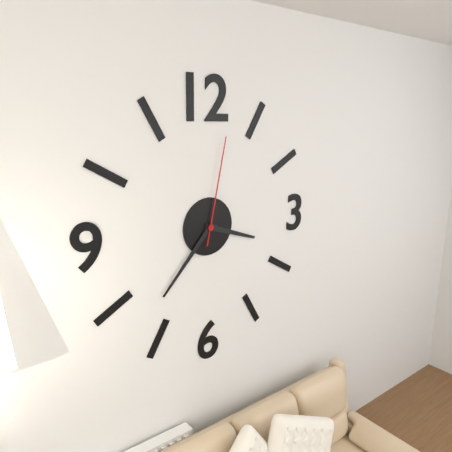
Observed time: 3:37:02
